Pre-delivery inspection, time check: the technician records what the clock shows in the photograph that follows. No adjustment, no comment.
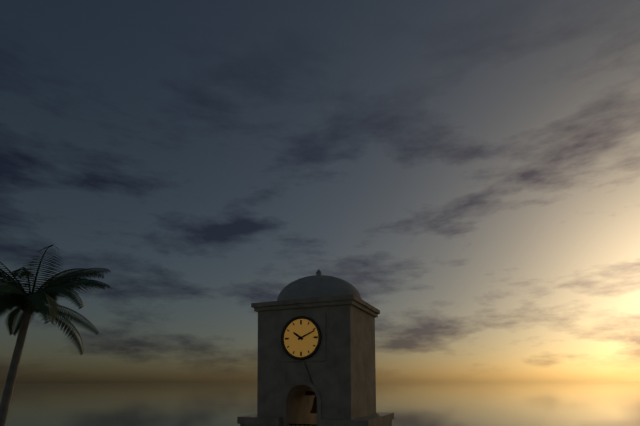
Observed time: 10:11
